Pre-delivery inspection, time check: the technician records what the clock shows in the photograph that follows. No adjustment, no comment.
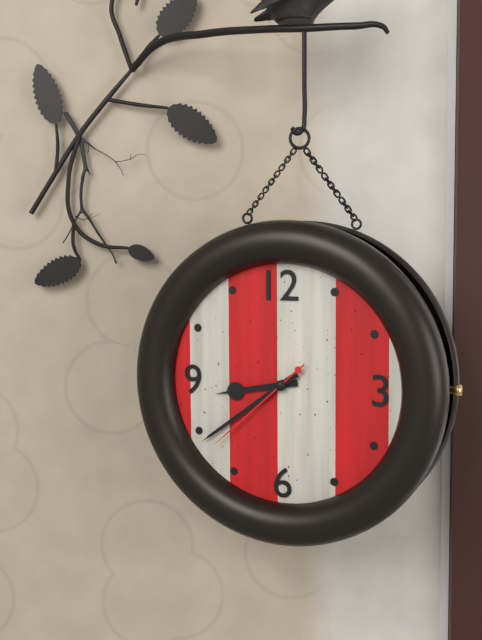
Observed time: 8:39:38
